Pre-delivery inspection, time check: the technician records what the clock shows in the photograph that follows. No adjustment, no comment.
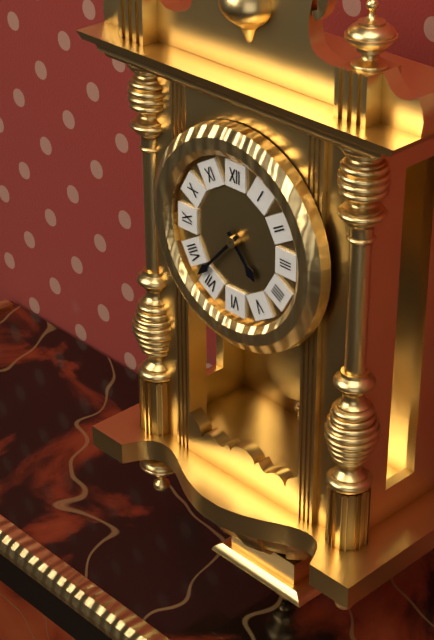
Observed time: 4:37
